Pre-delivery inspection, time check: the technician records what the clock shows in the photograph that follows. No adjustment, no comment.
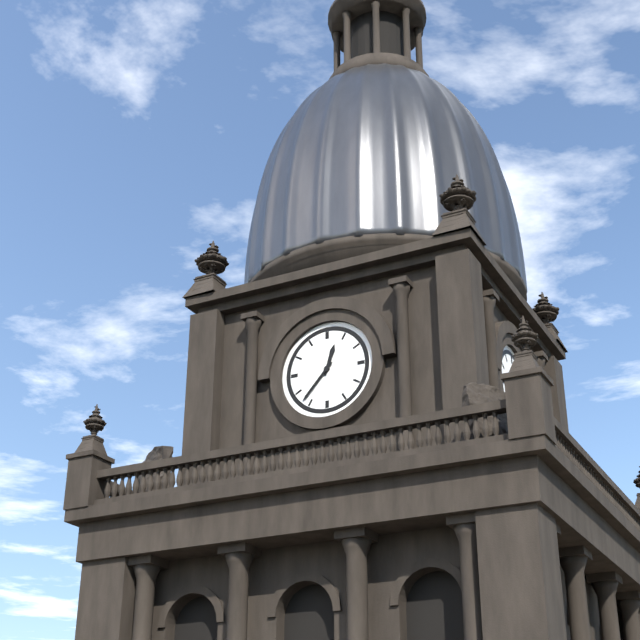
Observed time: 12:37
